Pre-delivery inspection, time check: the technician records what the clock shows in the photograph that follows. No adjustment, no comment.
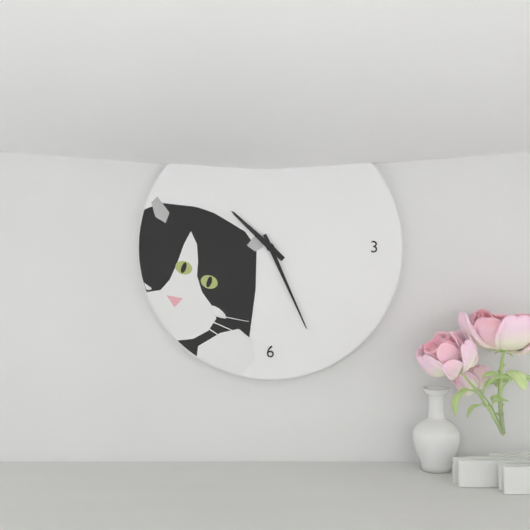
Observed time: 10:26
